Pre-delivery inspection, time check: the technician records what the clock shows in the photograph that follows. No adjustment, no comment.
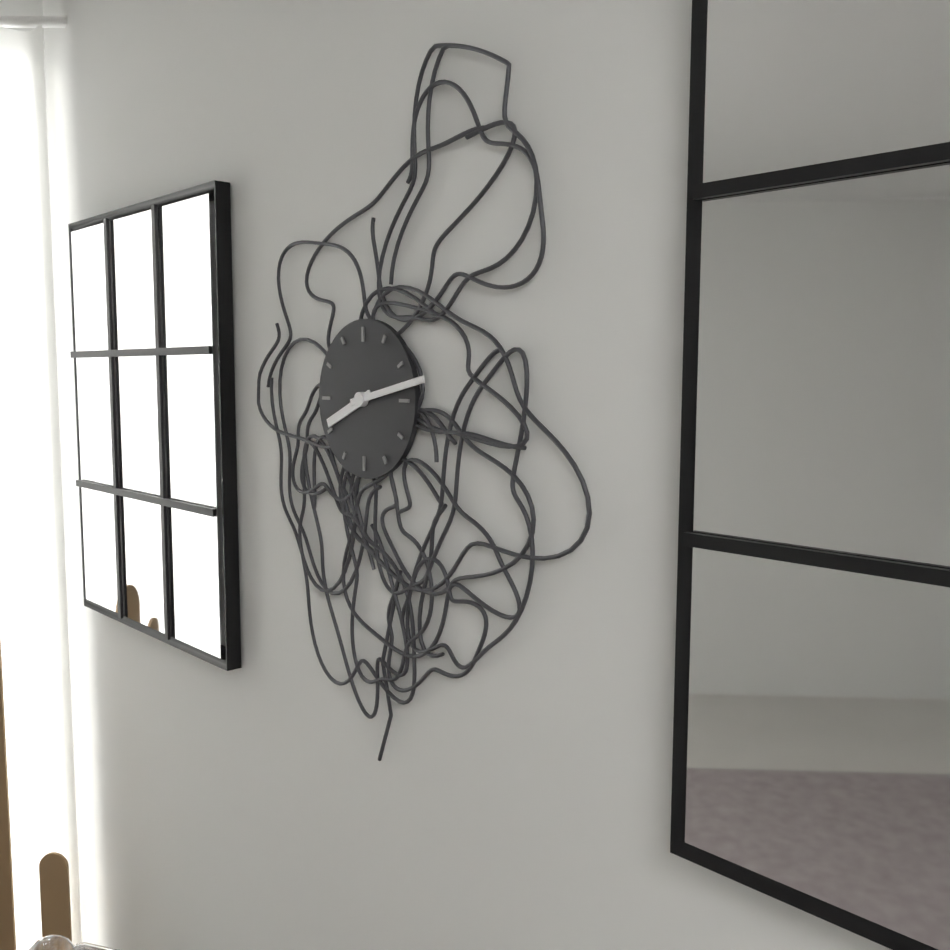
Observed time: 8:13
